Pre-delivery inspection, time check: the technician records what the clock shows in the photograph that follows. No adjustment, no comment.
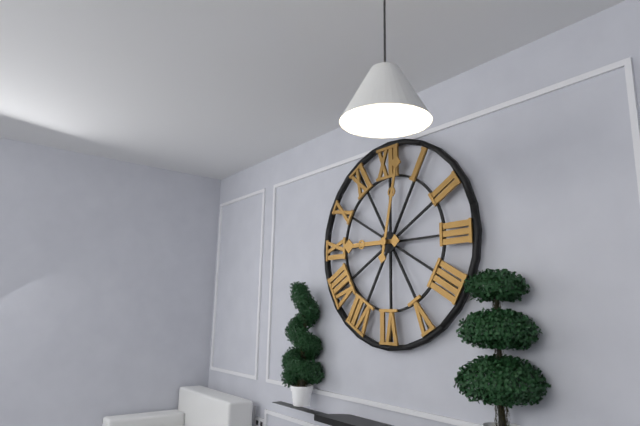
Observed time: 9:02
